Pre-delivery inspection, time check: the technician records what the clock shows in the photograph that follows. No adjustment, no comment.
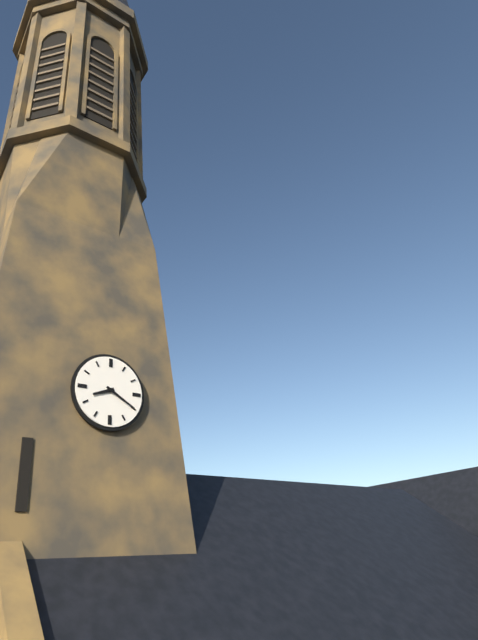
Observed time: 8:20
